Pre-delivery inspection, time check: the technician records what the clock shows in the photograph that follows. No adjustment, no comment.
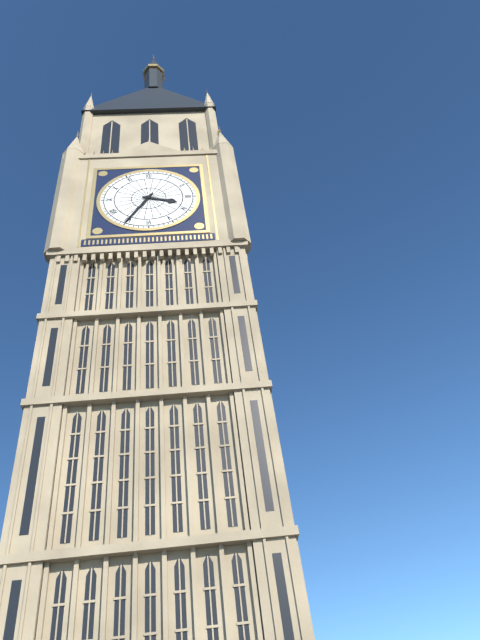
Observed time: 3:35
